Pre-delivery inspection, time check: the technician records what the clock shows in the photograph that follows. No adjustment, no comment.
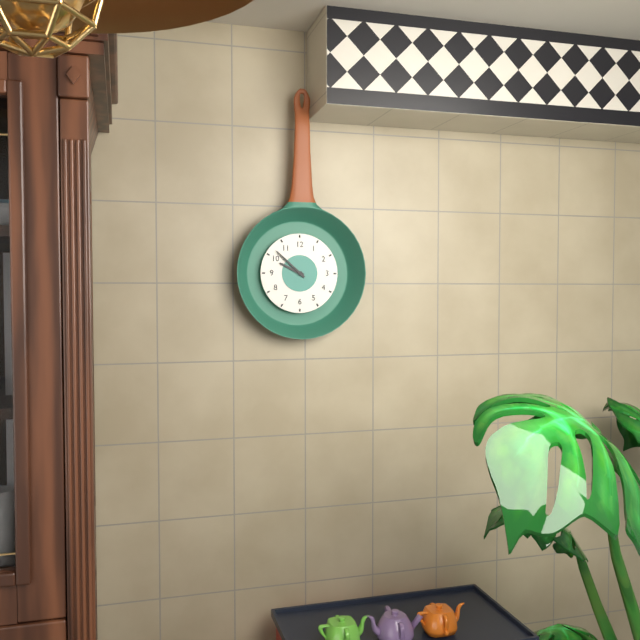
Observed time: 9:52
